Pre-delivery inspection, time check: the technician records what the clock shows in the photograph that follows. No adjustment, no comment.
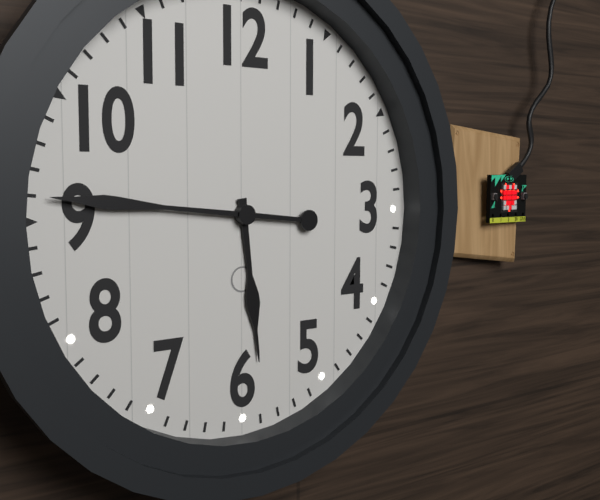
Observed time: 5:46
